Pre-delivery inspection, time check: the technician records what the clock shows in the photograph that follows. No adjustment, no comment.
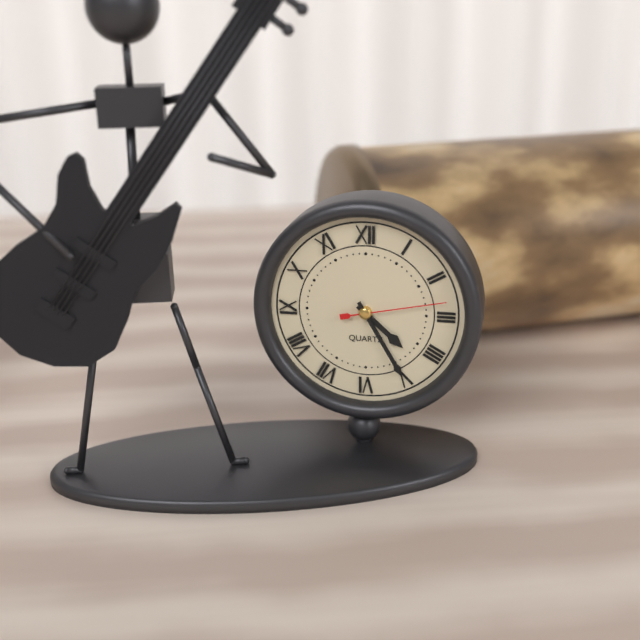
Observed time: 4:25:13
